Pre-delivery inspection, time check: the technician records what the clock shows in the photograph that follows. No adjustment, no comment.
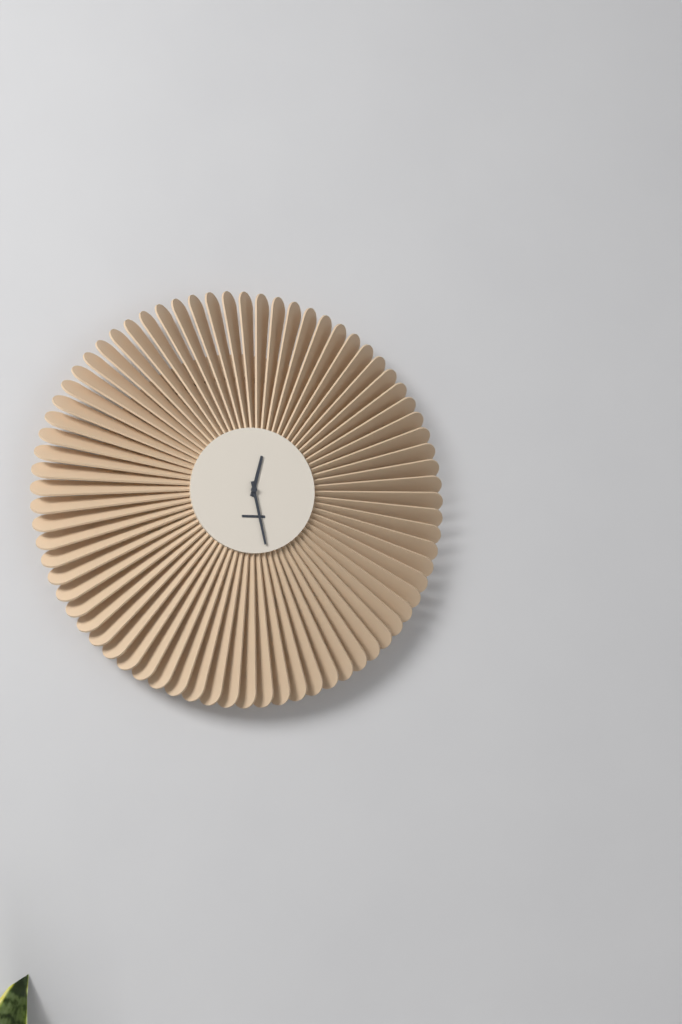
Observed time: 12:28
